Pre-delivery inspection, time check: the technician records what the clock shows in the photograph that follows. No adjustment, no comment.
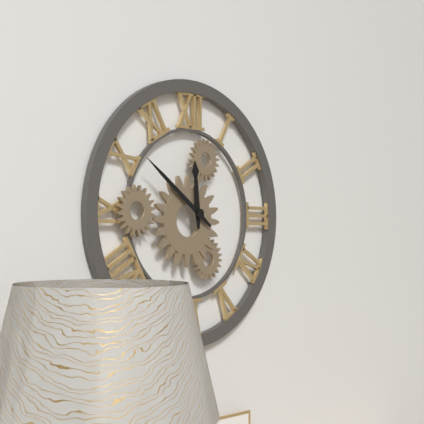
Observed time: 11:51
